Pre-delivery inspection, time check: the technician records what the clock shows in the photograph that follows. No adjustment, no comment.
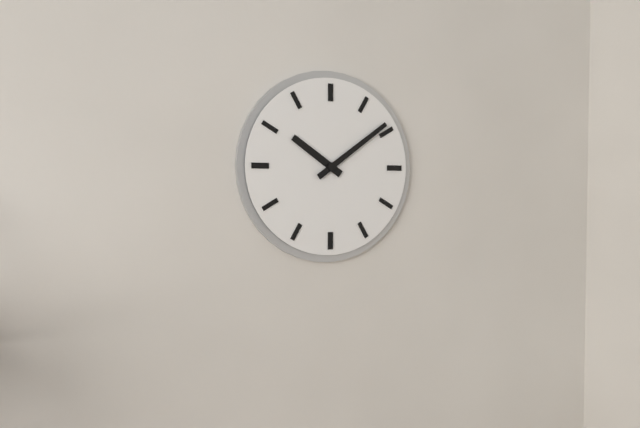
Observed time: 10:09
